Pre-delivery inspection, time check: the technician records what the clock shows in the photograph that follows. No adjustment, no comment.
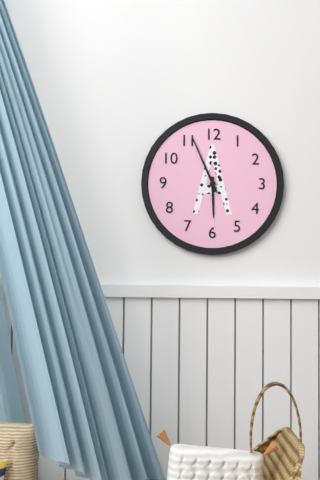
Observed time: 5:56
